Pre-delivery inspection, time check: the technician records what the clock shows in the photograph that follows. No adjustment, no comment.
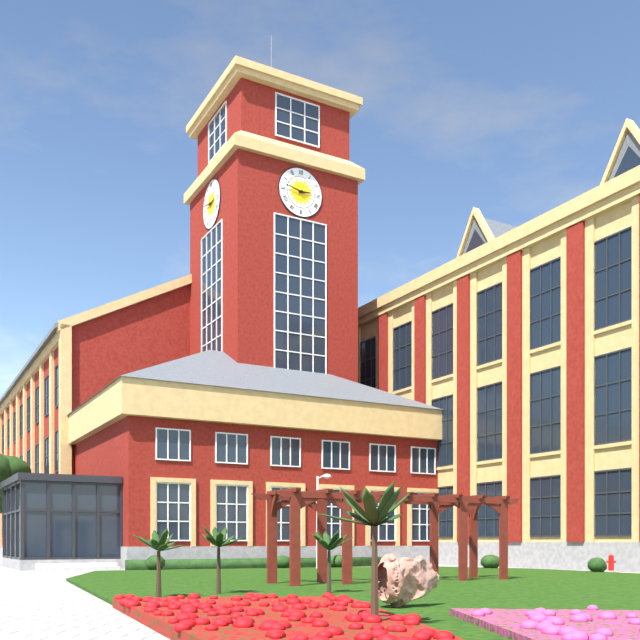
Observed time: 2:47
